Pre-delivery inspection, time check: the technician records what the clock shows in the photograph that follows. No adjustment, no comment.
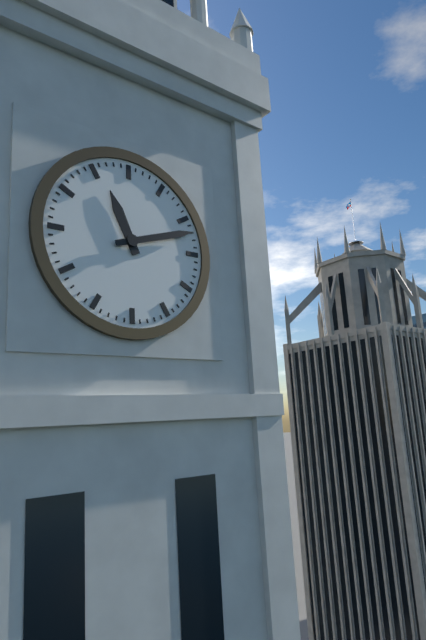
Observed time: 11:12
